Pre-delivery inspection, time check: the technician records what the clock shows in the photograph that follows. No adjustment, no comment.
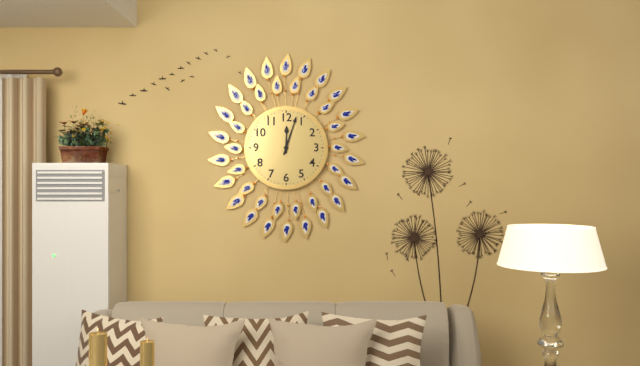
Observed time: 12:03
